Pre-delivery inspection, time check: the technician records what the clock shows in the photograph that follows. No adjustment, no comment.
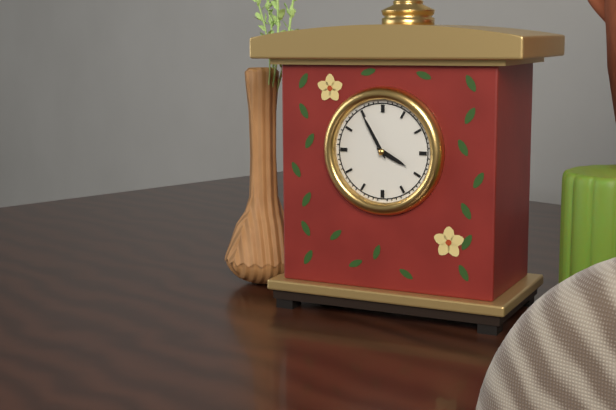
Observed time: 3:55
